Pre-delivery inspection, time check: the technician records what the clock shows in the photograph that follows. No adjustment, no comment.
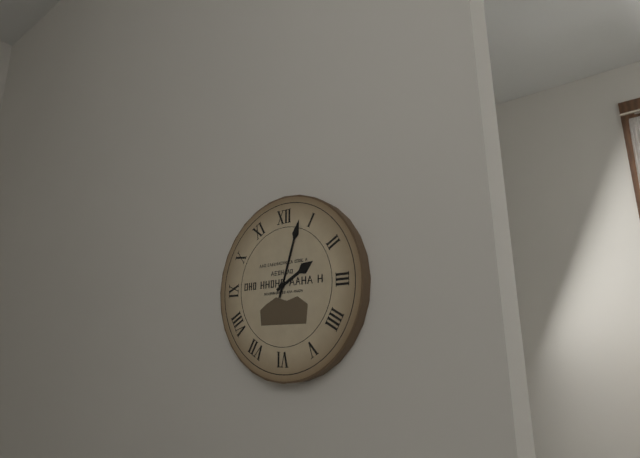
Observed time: 2:03
